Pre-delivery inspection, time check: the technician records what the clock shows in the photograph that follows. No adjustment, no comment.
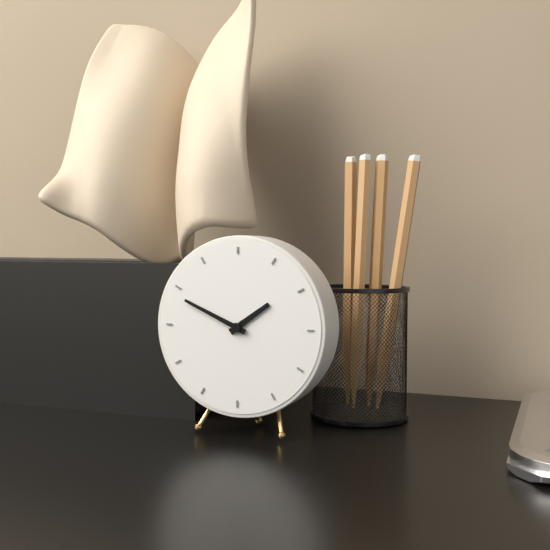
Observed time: 1:49
